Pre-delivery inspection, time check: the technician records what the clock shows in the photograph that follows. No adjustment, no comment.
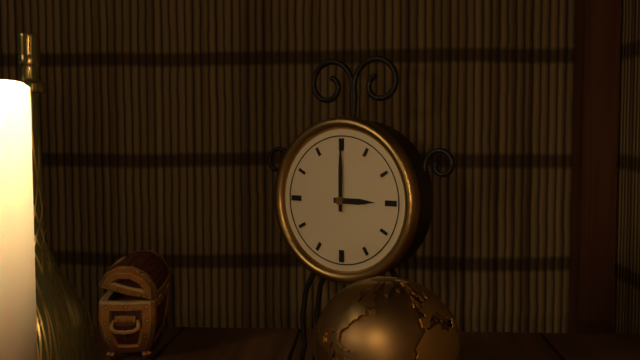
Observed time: 3:00
